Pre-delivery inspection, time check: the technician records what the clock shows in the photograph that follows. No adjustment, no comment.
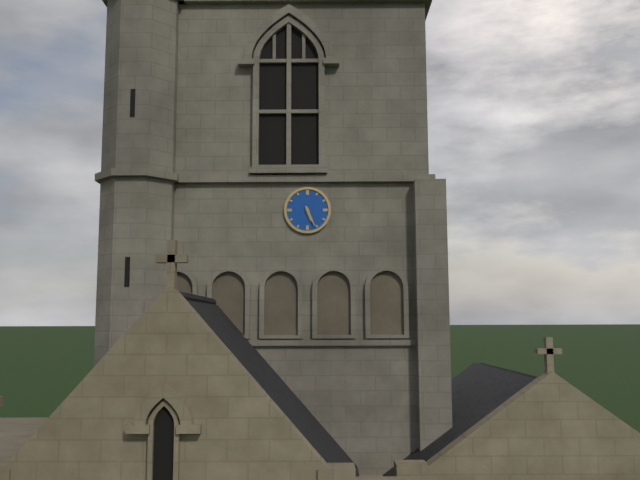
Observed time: 5:26
